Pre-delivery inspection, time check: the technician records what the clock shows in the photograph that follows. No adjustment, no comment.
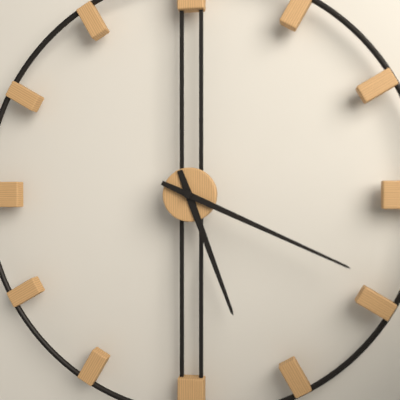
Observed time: 5:19
